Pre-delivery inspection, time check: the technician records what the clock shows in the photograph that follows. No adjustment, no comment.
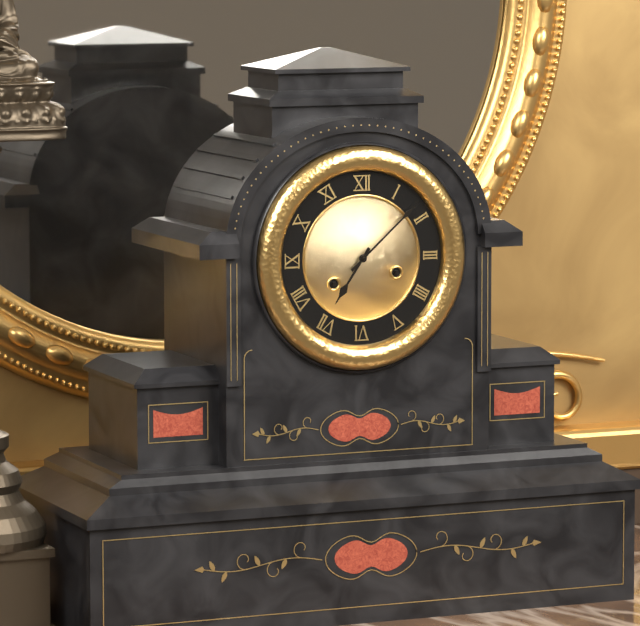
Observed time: 7:08
